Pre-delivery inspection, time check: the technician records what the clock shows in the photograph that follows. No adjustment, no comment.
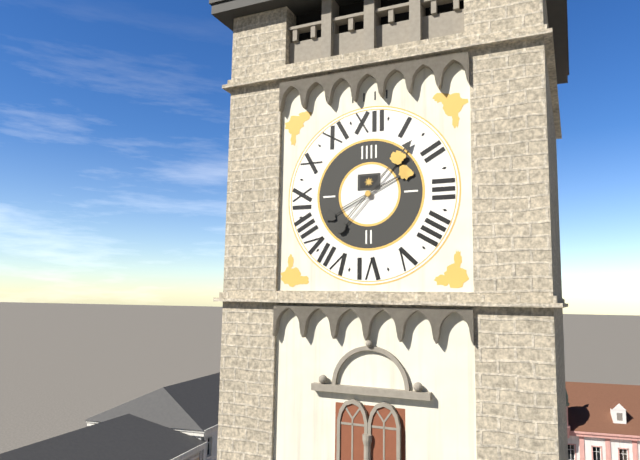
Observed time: 2:07
